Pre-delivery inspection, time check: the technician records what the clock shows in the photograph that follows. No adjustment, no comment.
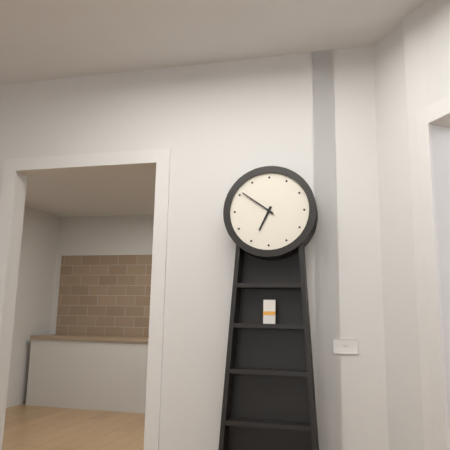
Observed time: 6:51
